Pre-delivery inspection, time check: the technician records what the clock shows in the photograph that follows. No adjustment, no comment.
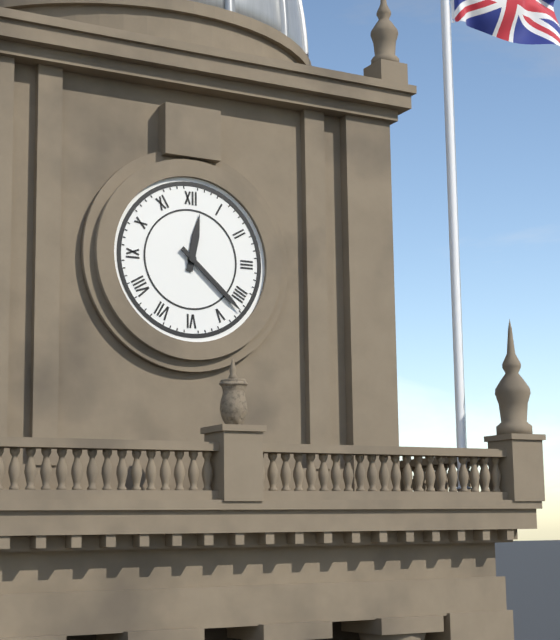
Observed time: 12:22
